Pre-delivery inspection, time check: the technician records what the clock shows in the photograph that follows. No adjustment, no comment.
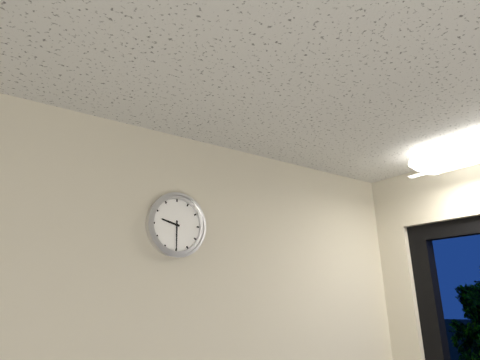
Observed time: 9:30
